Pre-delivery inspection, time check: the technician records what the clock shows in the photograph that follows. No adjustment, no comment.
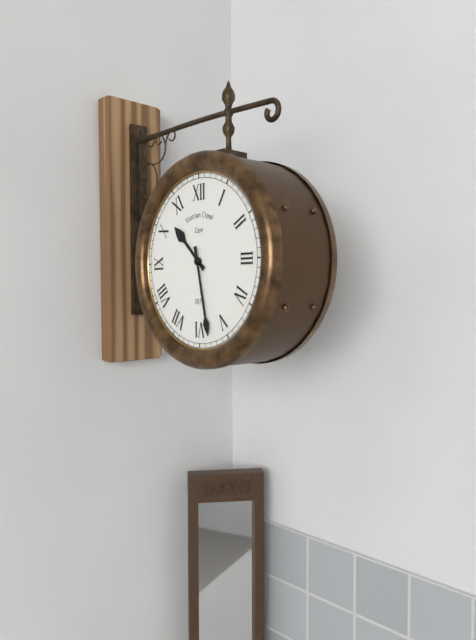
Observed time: 10:28
